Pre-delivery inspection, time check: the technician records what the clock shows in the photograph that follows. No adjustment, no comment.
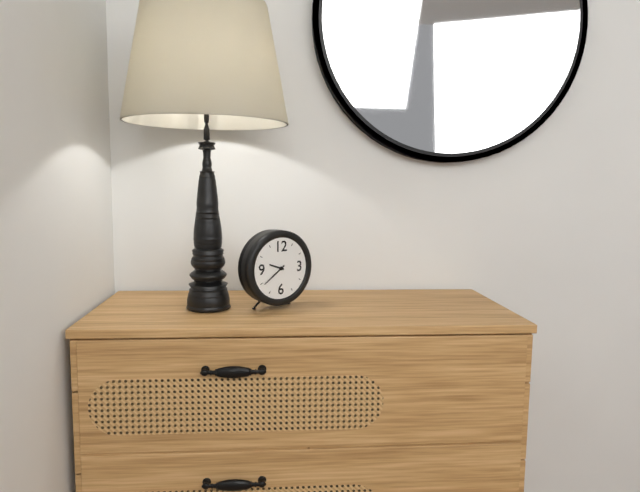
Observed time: 9:39
